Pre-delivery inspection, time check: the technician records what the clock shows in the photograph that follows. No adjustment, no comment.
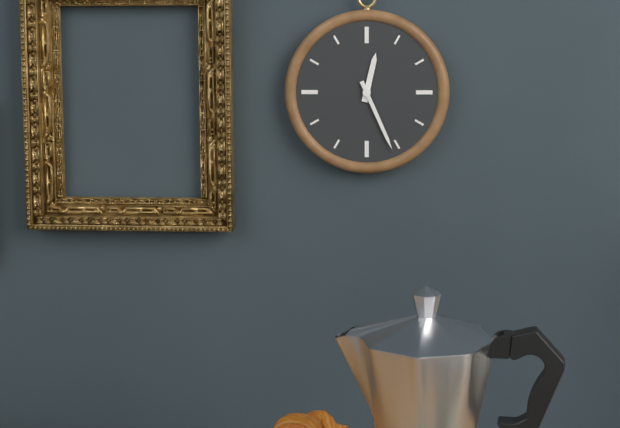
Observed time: 12:26
